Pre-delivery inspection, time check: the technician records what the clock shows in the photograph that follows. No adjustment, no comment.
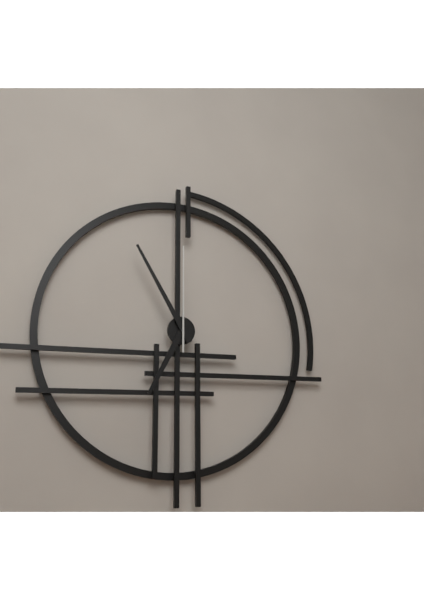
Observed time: 6:55:00
